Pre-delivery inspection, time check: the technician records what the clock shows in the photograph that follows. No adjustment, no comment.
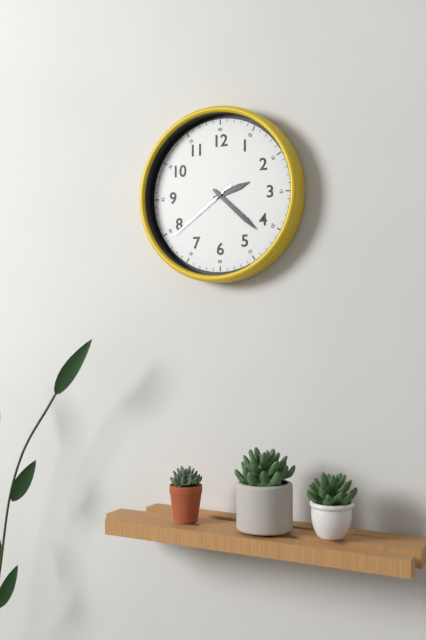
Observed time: 2:22:39
